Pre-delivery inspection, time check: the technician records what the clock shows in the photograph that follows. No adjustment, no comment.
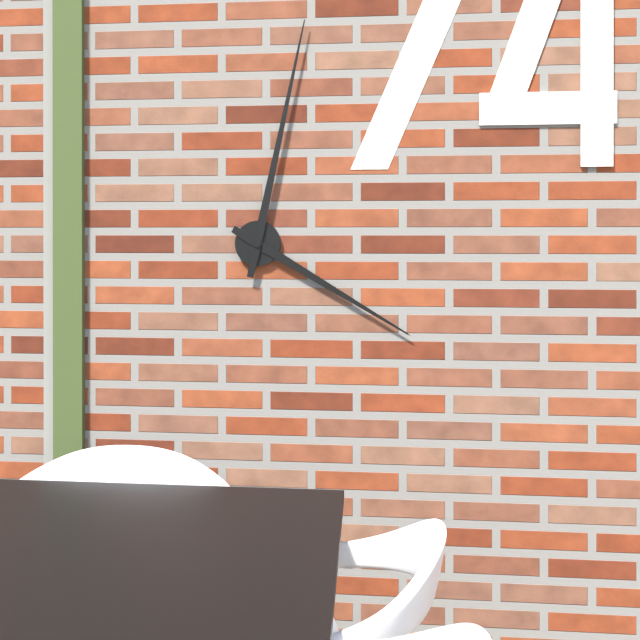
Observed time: 4:02
